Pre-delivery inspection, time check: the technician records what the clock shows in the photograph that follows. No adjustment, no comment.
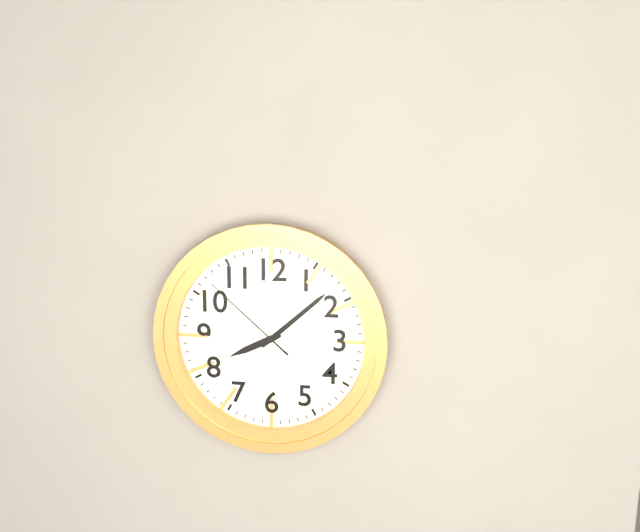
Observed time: 8:08:52
